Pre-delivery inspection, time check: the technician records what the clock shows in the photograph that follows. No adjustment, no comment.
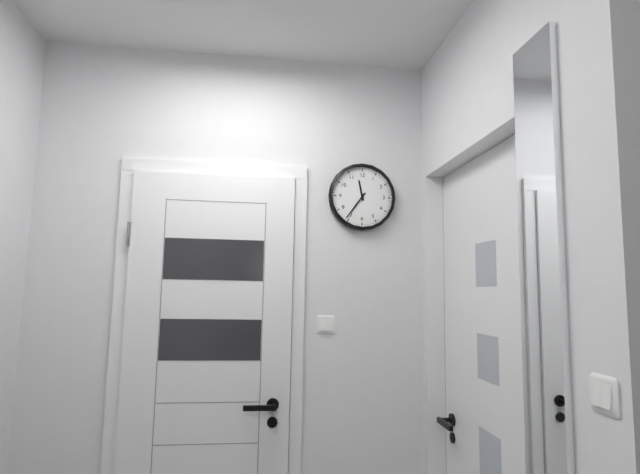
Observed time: 11:36
